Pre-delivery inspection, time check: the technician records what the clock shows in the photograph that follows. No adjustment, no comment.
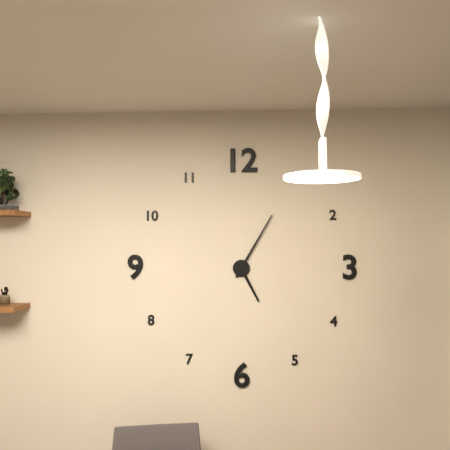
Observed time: 5:05
